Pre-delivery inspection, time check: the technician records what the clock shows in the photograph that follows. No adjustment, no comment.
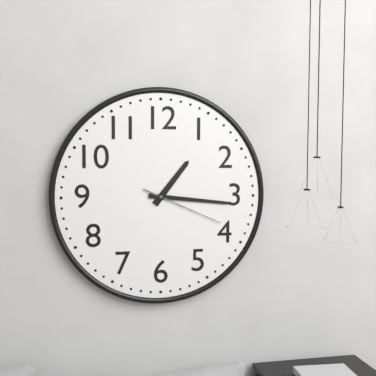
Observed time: 1:16:19
